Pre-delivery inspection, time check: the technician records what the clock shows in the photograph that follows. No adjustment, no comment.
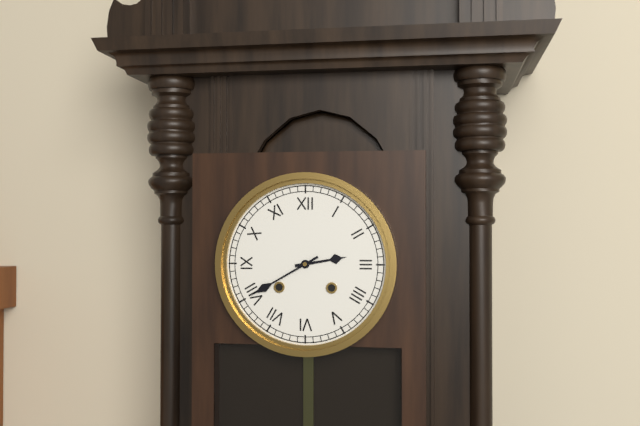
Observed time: 2:40
